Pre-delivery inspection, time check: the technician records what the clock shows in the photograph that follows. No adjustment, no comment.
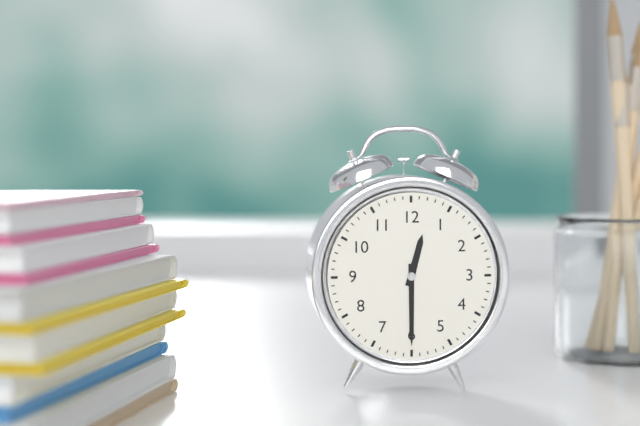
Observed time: 12:30
